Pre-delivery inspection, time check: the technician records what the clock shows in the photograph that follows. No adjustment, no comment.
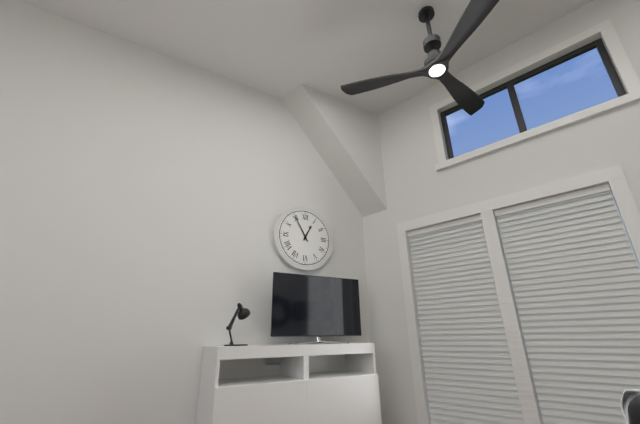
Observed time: 12:55
